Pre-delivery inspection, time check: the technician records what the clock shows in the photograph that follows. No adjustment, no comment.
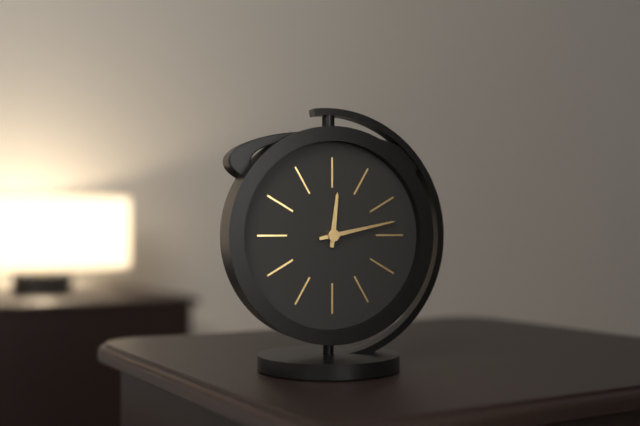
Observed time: 12:13
